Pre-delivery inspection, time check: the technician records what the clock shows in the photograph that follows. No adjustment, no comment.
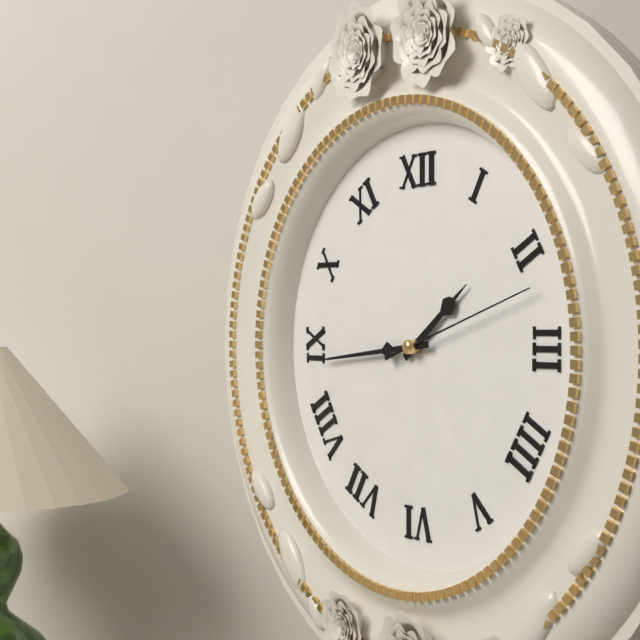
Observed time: 1:44:12
